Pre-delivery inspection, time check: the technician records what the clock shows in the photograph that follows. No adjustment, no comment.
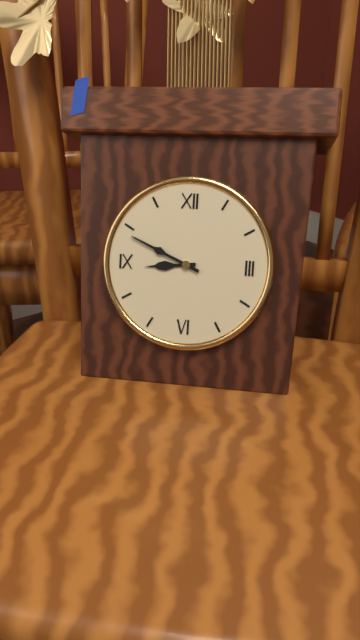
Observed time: 8:49
